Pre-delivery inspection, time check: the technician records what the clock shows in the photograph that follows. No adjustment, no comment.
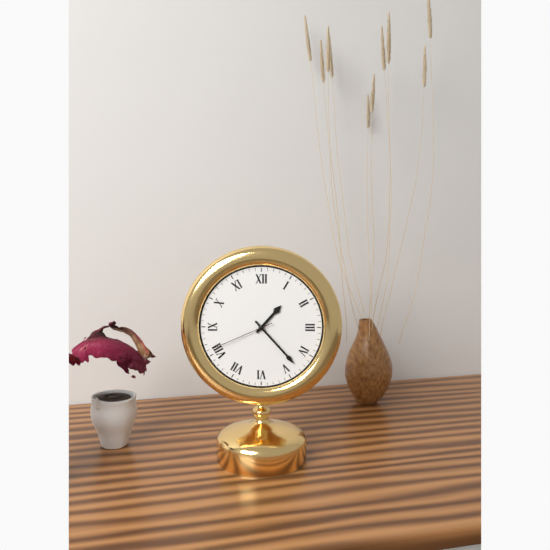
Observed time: 1:23:41
